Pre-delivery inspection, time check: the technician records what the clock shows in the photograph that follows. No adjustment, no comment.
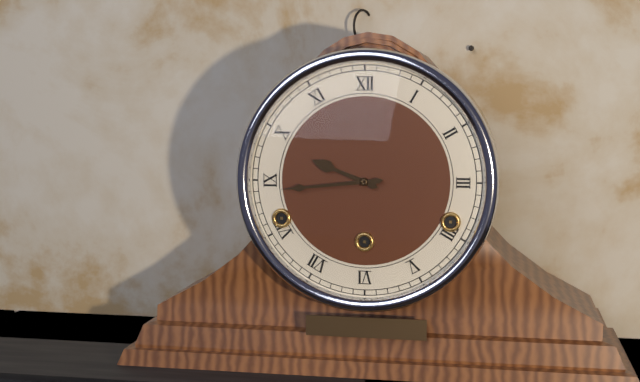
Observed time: 9:44
